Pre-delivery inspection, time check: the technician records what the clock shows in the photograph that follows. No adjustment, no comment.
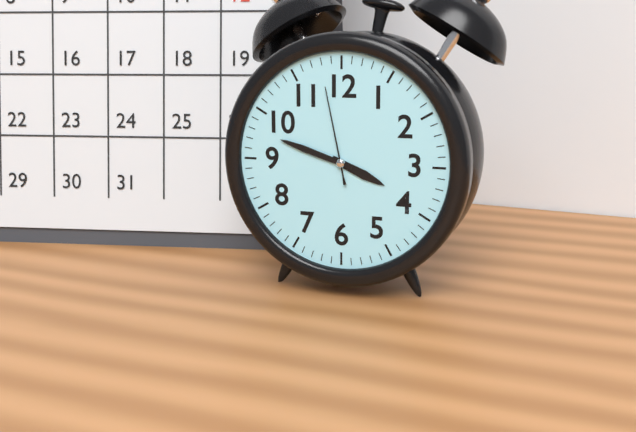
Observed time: 3:48:58
